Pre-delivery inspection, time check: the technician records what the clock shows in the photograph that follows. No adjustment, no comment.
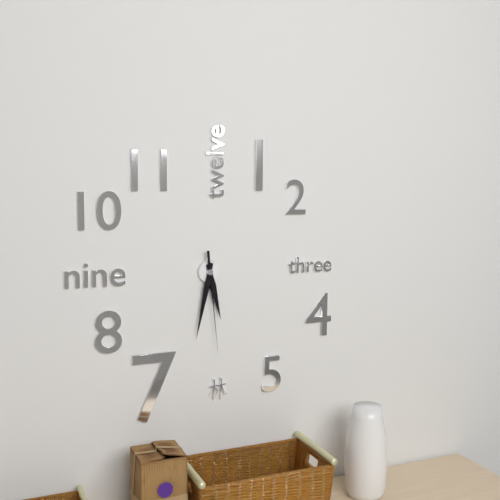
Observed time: 5:32:29
